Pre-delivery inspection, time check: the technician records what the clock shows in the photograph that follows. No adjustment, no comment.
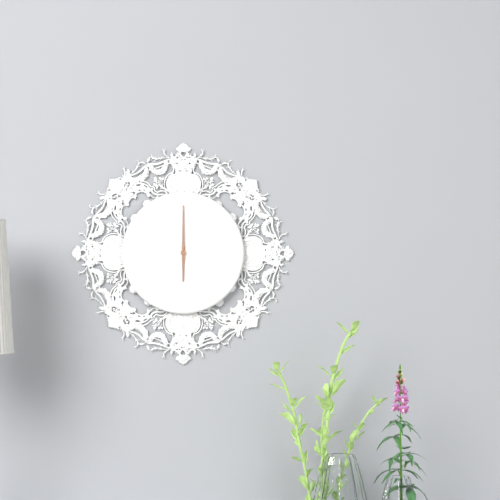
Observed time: 6:00
